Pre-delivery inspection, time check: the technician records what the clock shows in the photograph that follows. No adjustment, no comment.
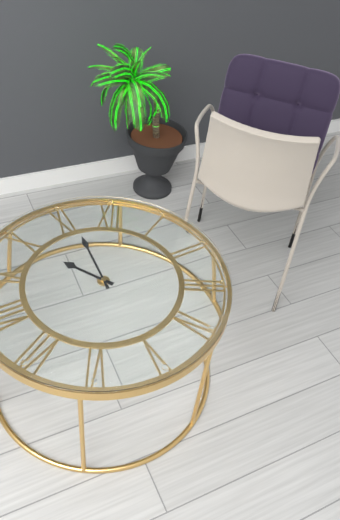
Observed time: 9:56
